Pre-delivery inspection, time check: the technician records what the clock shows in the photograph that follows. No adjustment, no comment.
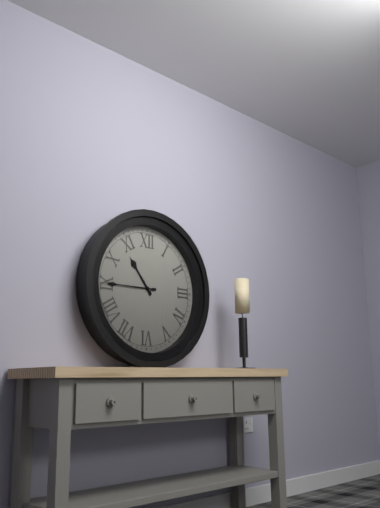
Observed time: 10:45
